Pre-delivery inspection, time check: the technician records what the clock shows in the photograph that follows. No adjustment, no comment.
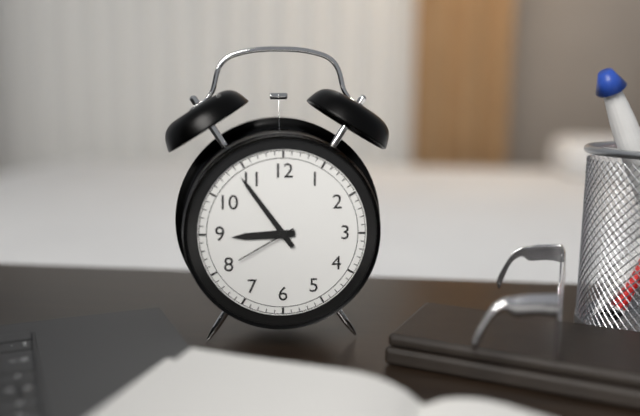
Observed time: 8:54:40
